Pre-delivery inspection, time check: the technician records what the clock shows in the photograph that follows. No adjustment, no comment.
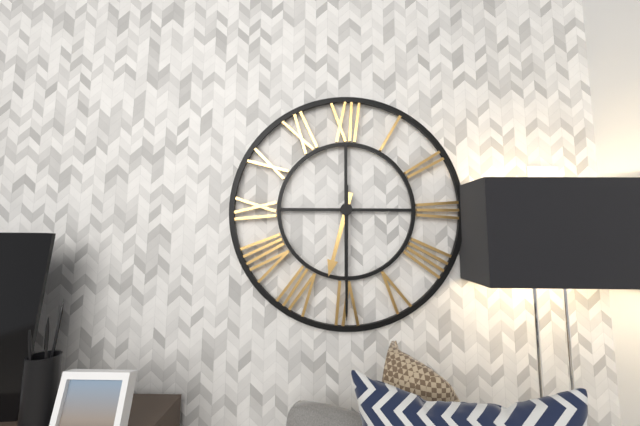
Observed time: 6:30
